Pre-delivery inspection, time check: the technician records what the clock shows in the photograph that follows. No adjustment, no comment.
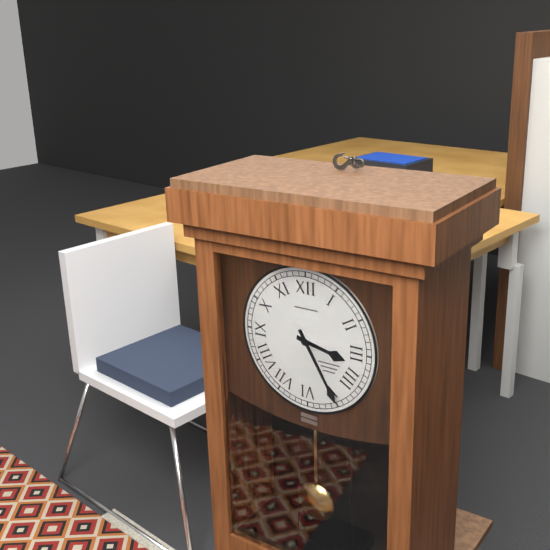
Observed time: 3:25
